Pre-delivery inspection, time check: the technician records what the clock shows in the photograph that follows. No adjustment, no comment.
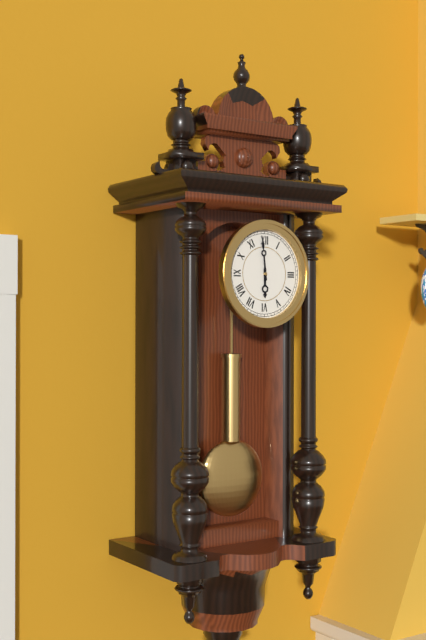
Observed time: 5:59
